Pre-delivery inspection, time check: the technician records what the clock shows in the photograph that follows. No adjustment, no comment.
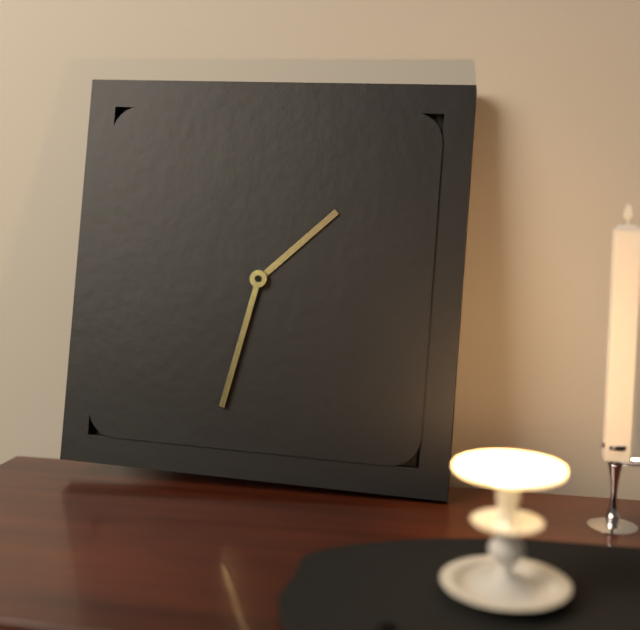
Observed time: 1:32
